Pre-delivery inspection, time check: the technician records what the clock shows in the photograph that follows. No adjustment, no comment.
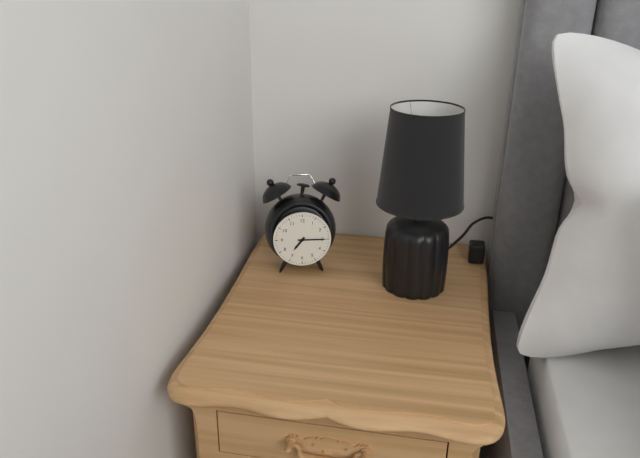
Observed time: 7:15
